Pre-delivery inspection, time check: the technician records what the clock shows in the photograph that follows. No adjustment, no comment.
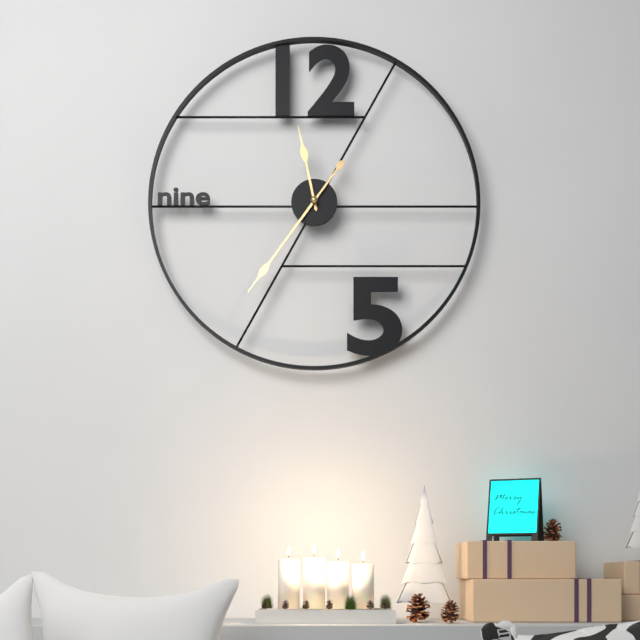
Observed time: 11:36
